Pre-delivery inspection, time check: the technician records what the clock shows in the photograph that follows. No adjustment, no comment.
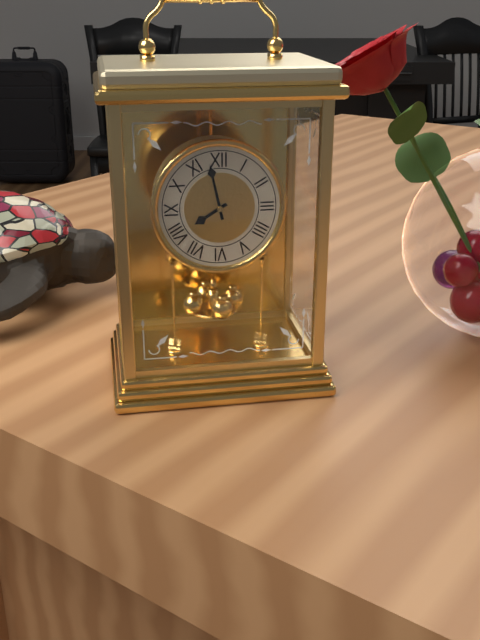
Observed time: 7:58
